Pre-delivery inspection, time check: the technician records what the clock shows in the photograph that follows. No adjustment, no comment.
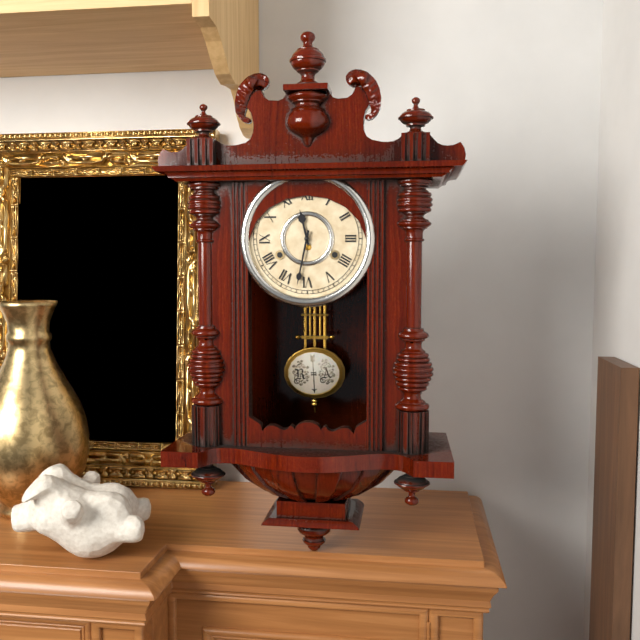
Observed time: 11:32
